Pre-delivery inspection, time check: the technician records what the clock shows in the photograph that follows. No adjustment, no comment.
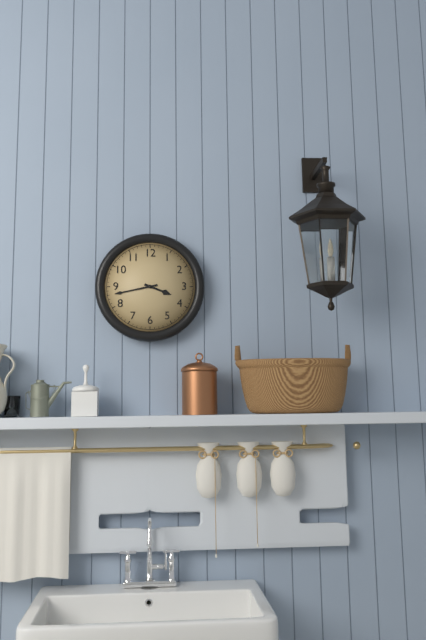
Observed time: 3:43
